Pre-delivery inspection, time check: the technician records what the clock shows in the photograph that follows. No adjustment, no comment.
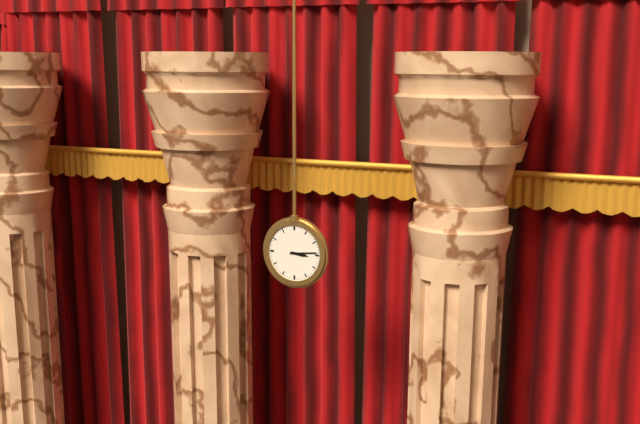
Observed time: 3:14
